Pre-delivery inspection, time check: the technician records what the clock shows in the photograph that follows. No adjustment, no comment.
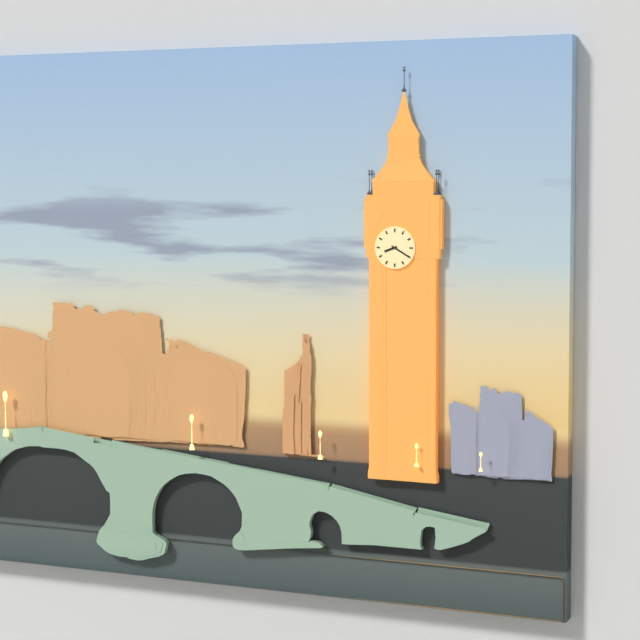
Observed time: 8:20
